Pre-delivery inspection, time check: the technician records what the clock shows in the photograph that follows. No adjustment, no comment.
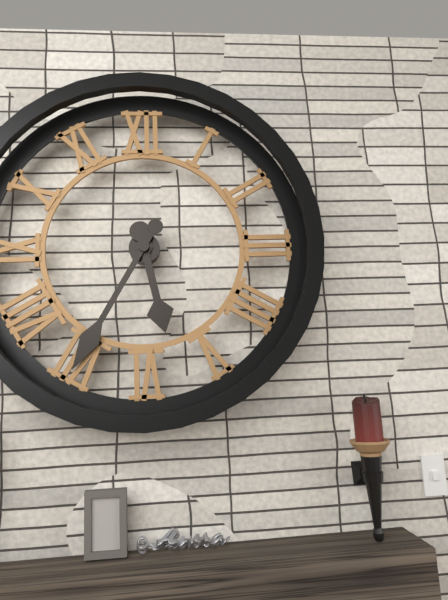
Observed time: 5:35
